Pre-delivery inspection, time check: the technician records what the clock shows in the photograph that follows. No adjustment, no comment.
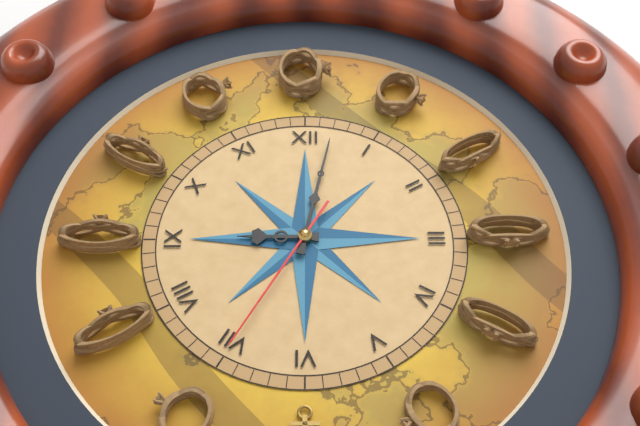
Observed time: 9:02:35
